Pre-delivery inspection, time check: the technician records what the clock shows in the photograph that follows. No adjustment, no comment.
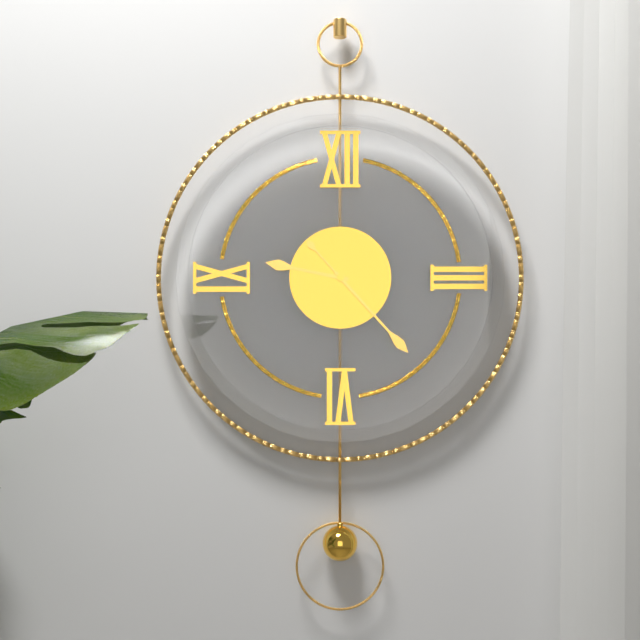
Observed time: 9:23
